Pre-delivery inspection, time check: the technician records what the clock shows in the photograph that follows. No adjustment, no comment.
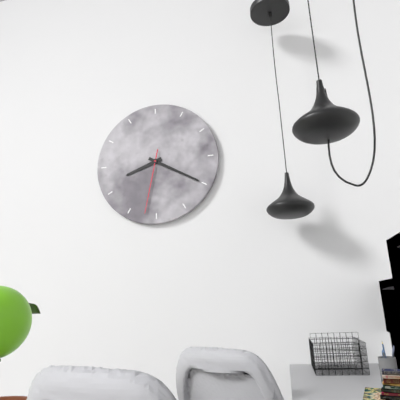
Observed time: 8:20:32
